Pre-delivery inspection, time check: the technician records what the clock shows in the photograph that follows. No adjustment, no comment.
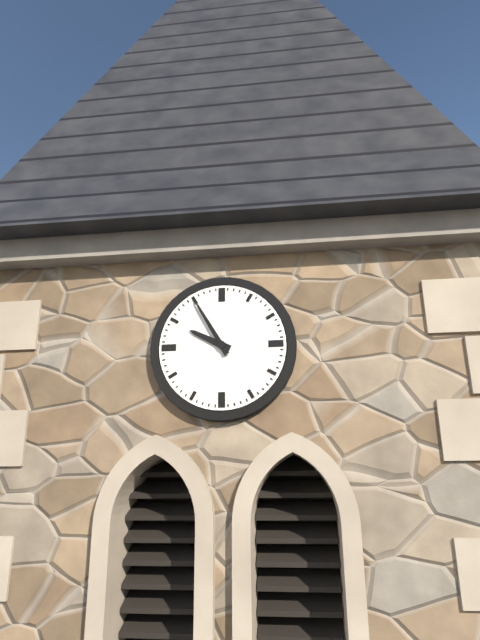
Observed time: 9:55
